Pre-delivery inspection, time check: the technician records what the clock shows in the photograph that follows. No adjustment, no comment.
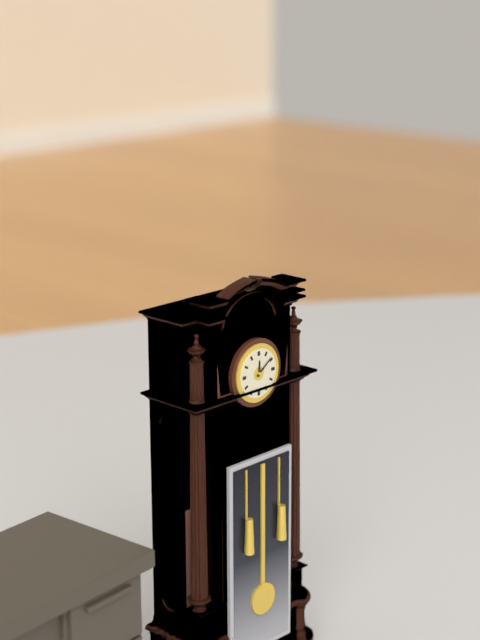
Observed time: 12:09
